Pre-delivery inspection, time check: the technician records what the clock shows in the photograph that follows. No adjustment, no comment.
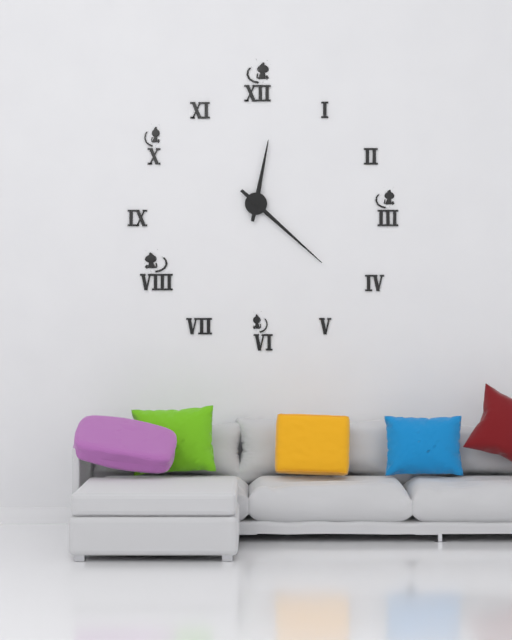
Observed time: 12:22
